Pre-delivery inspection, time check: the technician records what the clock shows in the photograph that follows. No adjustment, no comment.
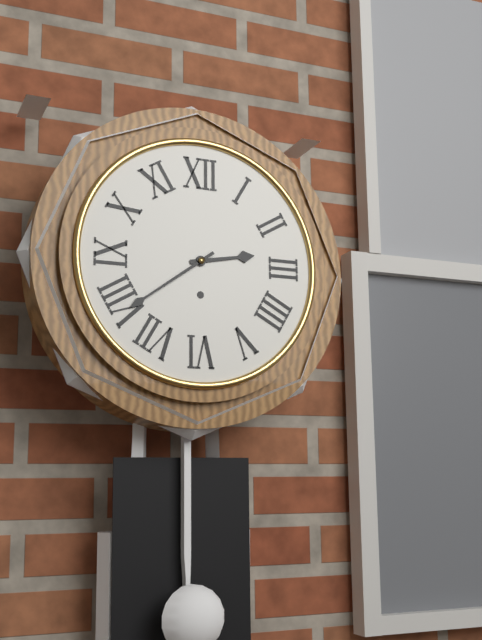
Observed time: 2:39
